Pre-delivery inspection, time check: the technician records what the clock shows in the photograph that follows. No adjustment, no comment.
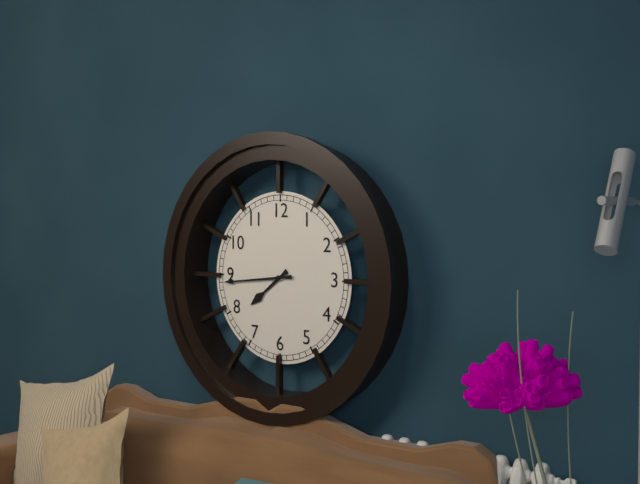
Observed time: 7:44
